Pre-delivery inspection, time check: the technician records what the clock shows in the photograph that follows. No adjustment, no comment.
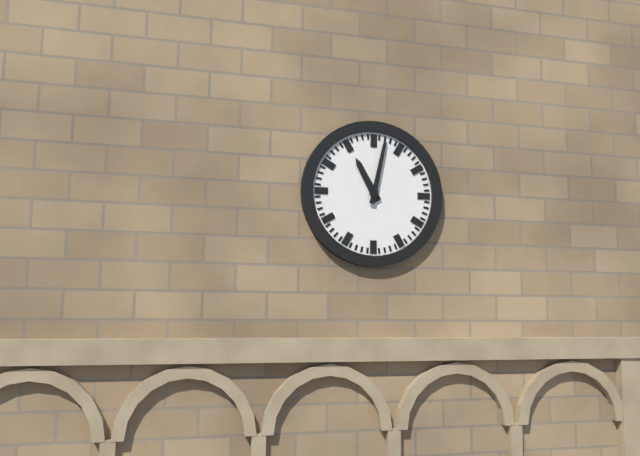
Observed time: 11:02
